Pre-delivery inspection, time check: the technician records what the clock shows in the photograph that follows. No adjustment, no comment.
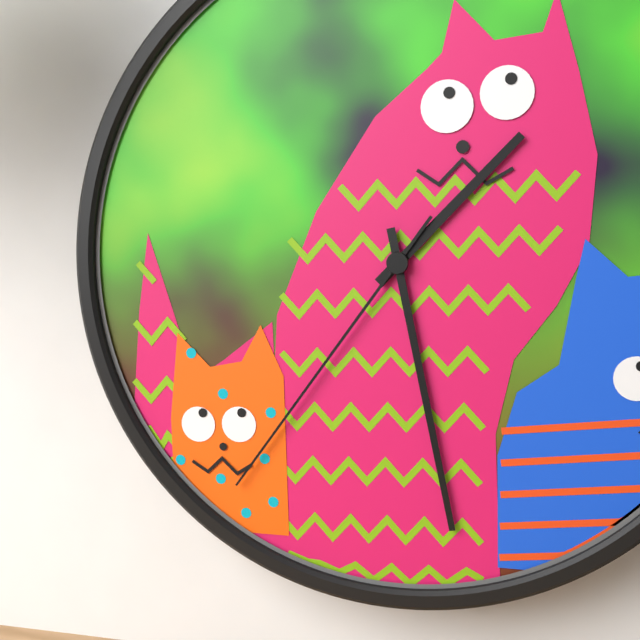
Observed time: 1:28:36
